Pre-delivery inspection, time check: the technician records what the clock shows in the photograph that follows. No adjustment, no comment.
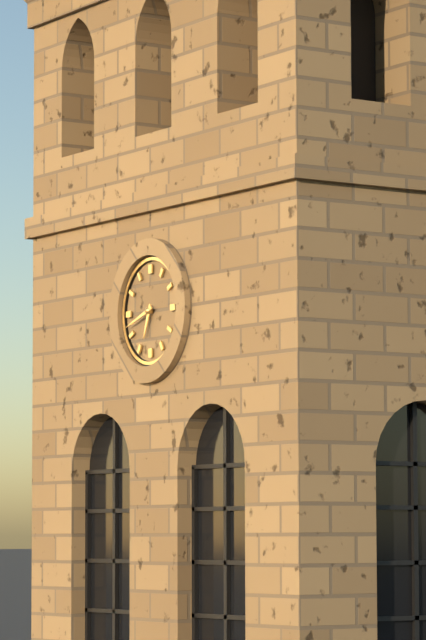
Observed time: 6:42
